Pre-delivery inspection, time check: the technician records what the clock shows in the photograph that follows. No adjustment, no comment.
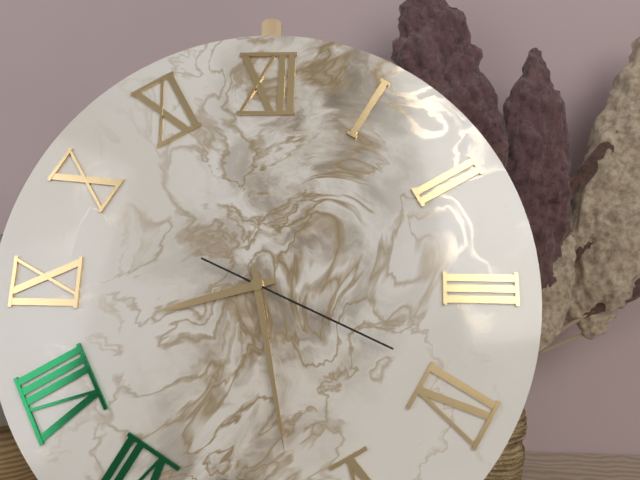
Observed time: 8:28:19
